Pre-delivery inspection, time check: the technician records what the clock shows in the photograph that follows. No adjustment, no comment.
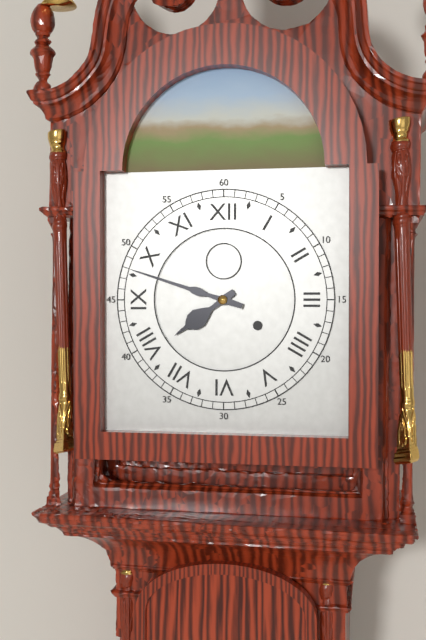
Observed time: 7:48
